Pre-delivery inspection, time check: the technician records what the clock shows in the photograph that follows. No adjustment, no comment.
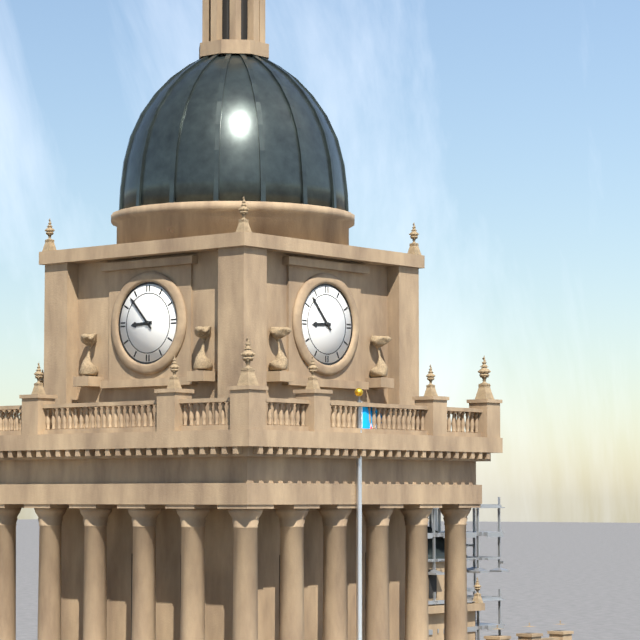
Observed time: 8:53
